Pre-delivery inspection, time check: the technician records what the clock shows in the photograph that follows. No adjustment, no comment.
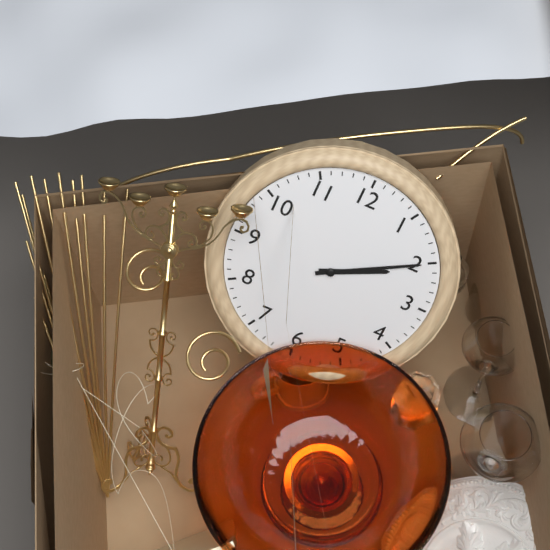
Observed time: 2:10
